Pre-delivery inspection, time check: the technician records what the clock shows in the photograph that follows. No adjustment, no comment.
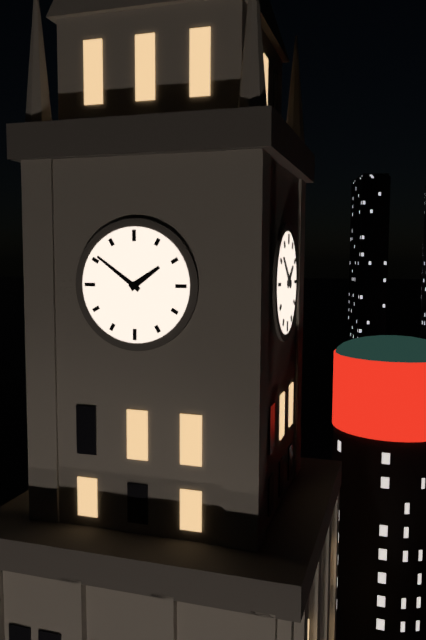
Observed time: 1:51
